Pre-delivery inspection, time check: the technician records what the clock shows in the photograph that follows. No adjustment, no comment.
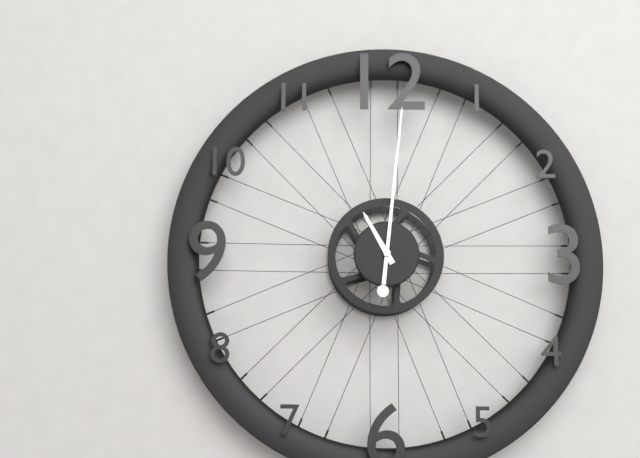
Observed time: 11:01
